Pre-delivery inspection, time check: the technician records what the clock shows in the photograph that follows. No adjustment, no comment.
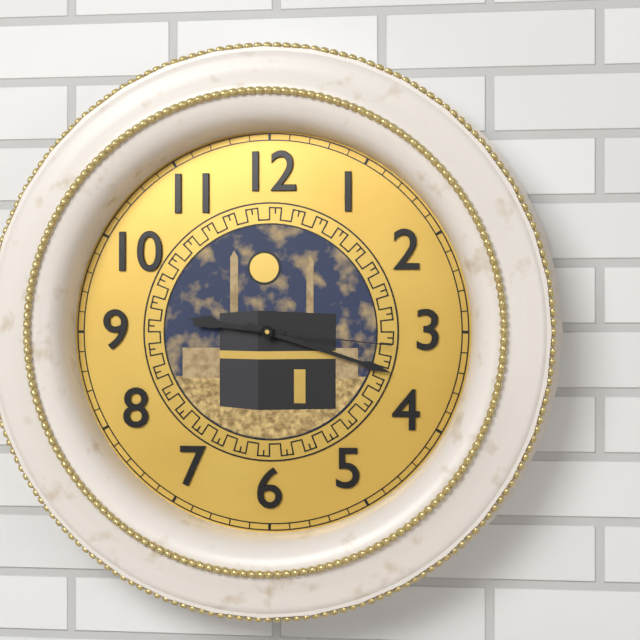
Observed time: 9:18:16
